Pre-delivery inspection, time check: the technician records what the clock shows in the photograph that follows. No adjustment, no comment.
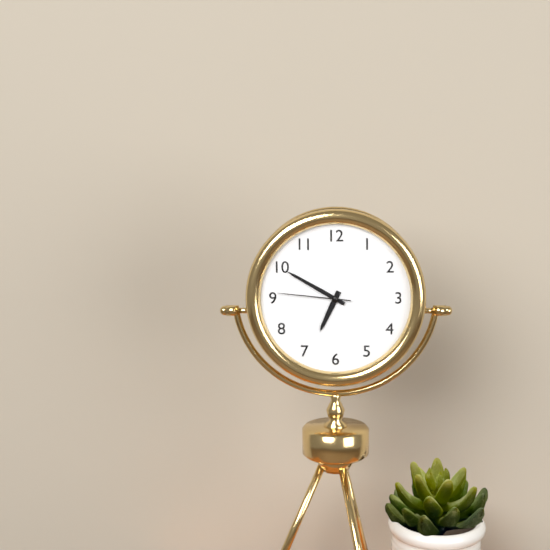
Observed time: 6:50:46
